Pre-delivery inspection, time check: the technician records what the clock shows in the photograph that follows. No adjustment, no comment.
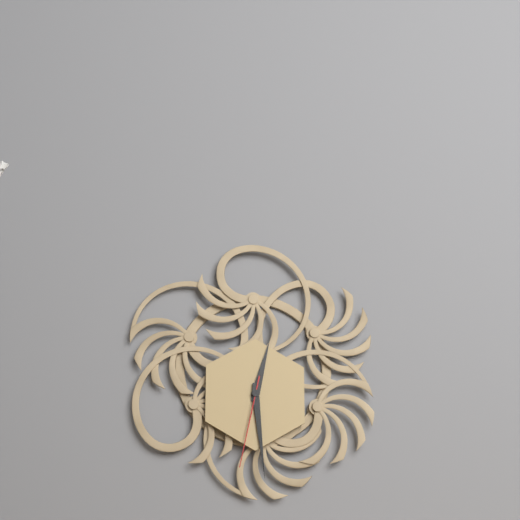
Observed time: 12:29:32
